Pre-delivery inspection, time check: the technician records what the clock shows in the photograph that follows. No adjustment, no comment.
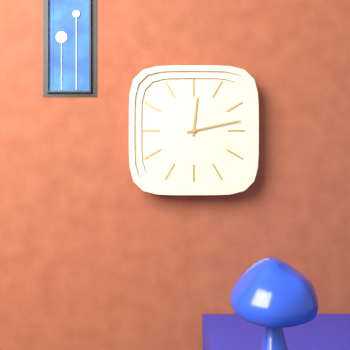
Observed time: 12:13
